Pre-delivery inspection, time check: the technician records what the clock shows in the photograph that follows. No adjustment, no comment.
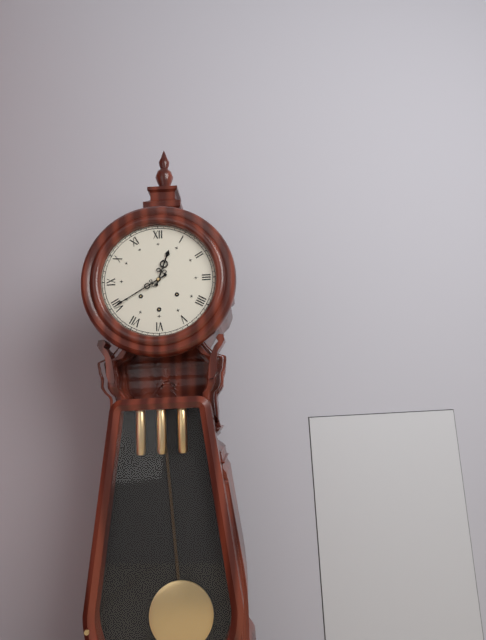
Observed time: 12:40
